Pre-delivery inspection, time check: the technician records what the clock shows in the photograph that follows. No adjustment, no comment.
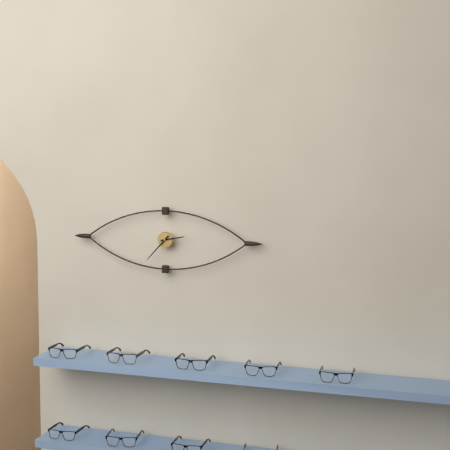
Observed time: 2:37
